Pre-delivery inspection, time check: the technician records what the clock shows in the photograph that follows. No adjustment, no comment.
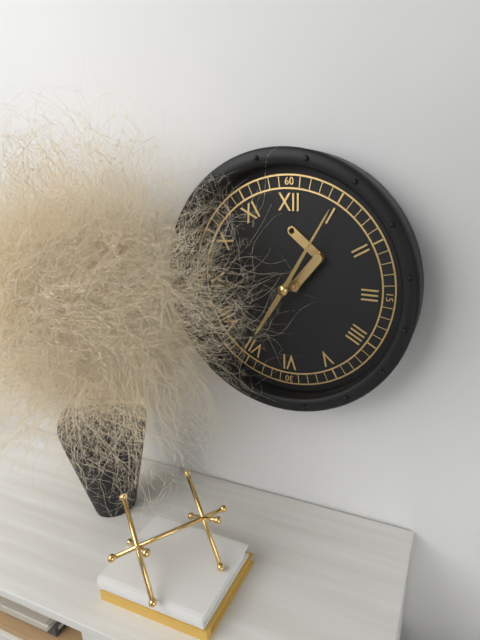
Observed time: 7:05
